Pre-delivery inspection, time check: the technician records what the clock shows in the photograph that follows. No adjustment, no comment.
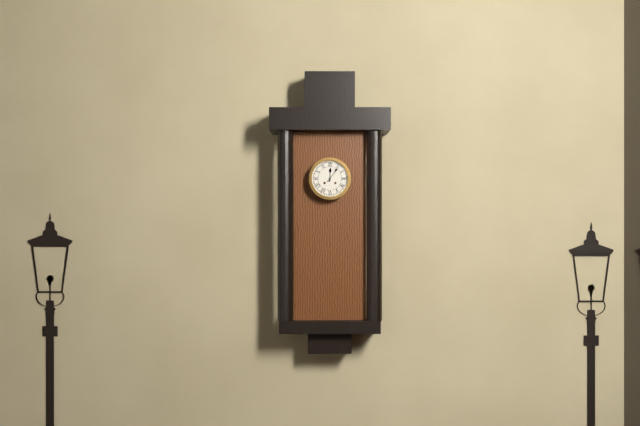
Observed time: 12:06
